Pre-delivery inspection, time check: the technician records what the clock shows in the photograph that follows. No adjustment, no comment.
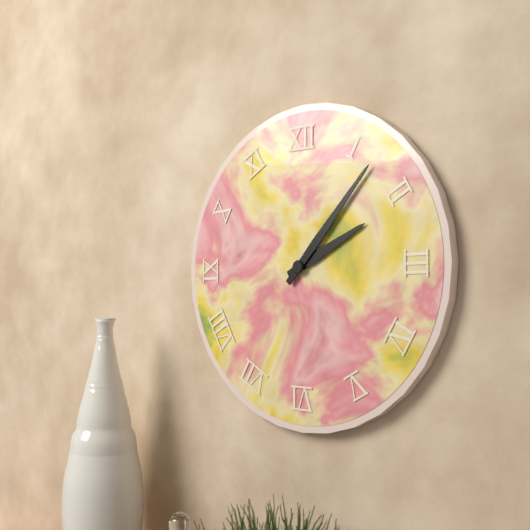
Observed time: 2:07
